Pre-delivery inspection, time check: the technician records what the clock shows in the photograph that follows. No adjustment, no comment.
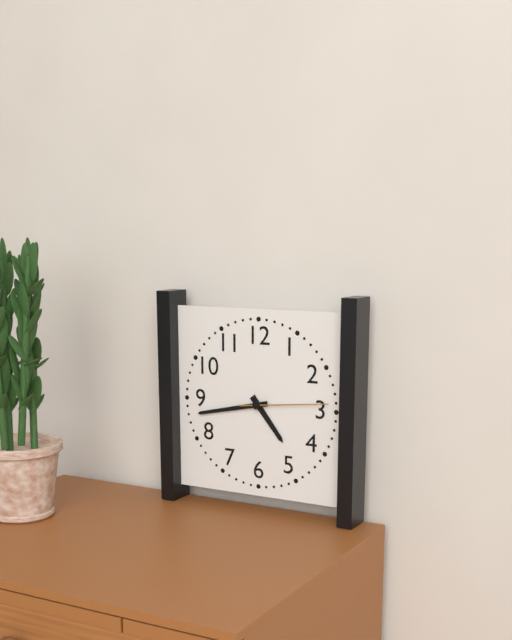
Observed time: 4:43:14
